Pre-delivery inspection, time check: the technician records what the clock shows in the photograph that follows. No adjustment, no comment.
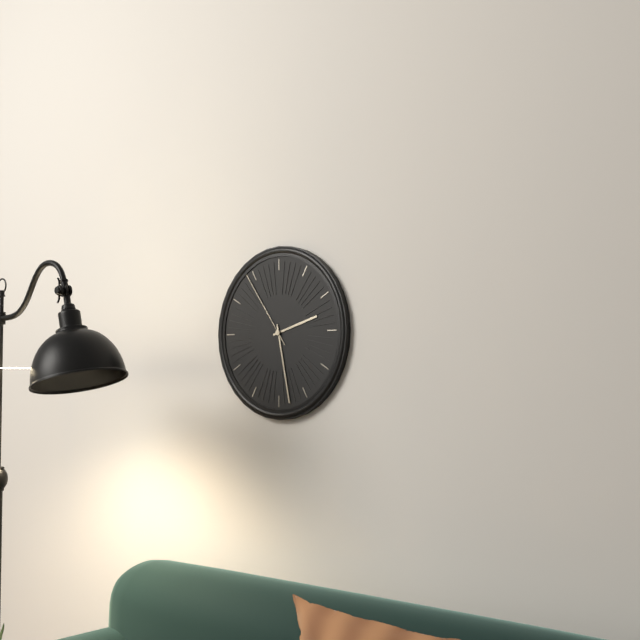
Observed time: 2:28:54
